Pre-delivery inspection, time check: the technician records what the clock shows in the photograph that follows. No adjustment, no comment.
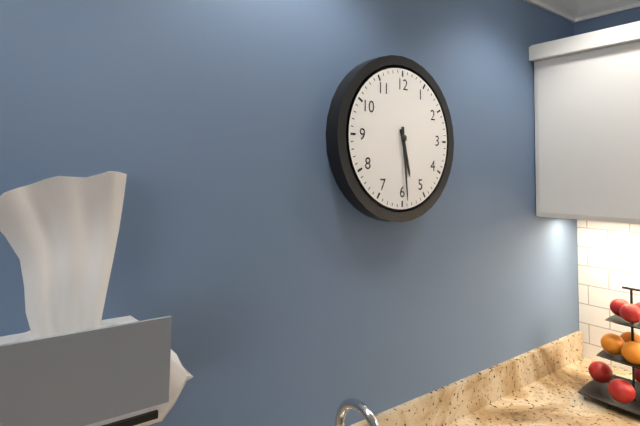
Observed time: 5:29
